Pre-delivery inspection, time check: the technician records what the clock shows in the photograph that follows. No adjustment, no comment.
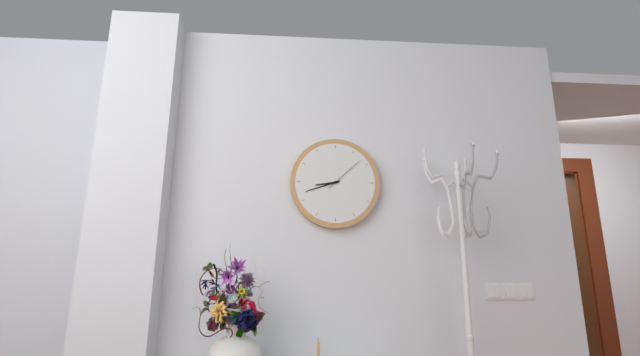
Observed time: 8:42
